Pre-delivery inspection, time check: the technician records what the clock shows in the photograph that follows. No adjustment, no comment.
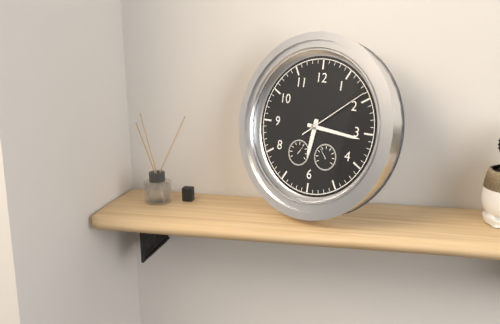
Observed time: 6:16:09
